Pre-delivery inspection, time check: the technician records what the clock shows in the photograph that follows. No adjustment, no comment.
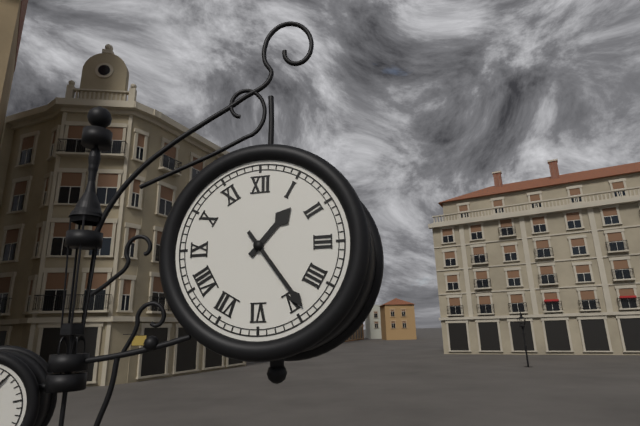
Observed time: 1:24
